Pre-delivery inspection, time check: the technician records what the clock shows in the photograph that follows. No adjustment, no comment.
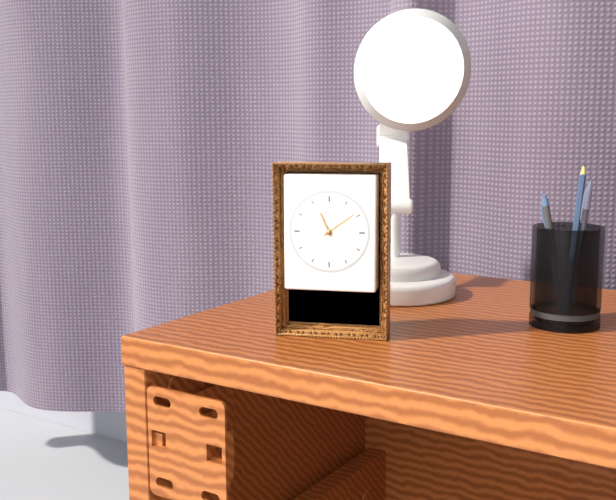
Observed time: 11:09
